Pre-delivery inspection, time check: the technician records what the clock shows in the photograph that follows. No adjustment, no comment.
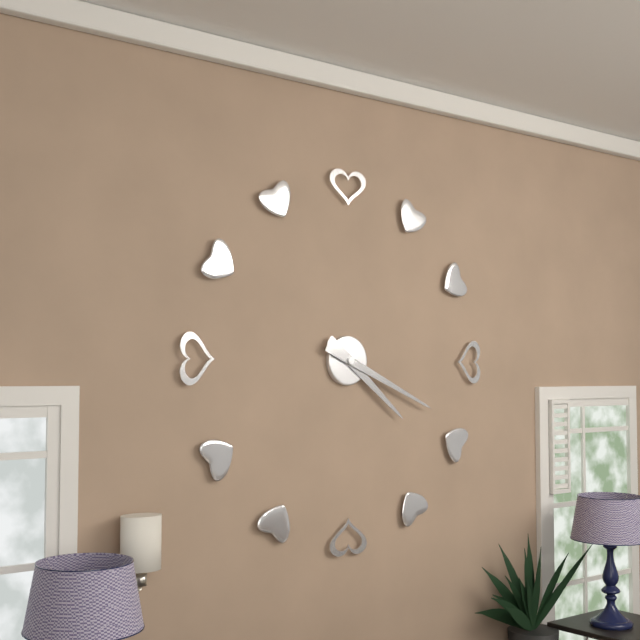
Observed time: 4:19
